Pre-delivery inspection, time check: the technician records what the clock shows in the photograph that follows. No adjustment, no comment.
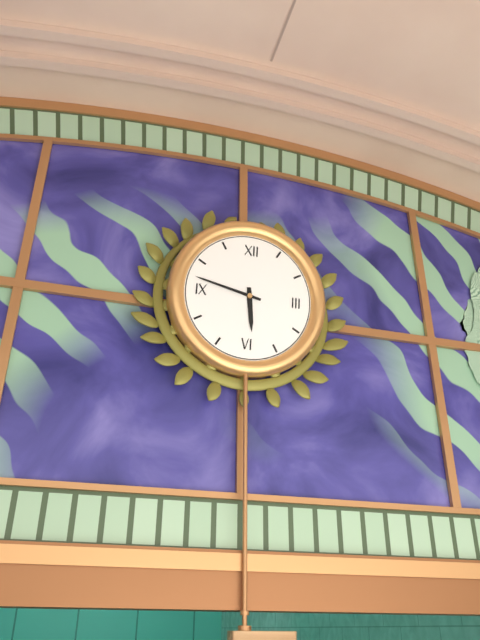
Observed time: 5:47
